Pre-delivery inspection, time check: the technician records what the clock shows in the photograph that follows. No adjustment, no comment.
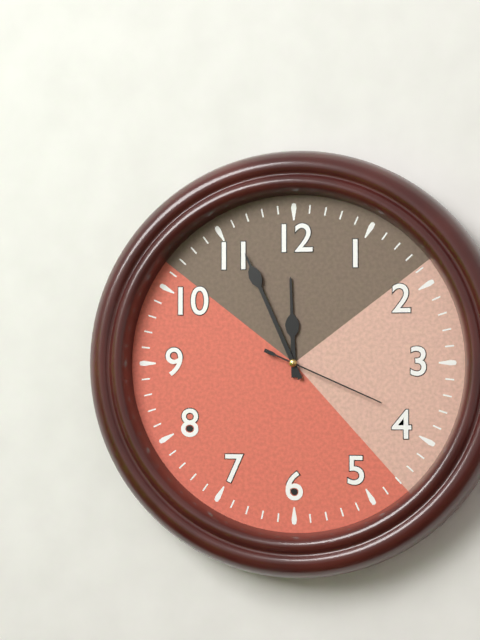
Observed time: 11:56:19
